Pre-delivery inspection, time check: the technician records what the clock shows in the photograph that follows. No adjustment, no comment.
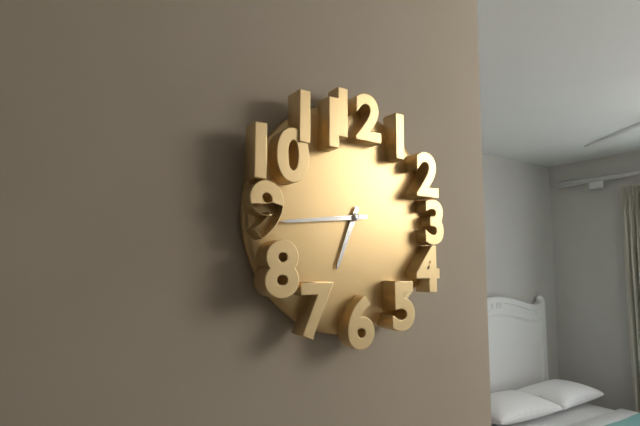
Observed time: 6:44
